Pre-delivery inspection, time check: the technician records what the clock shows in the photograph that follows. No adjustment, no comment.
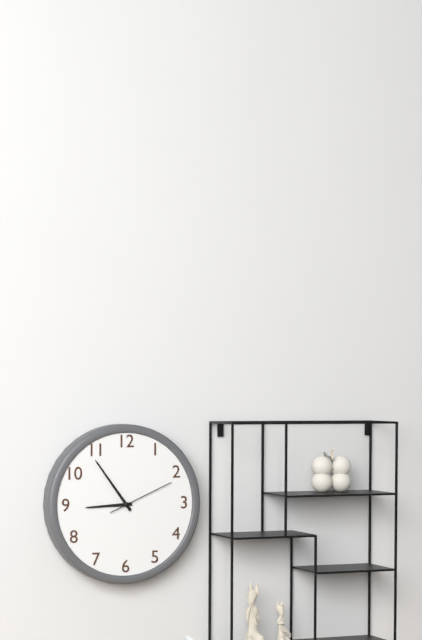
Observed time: 8:54:11
